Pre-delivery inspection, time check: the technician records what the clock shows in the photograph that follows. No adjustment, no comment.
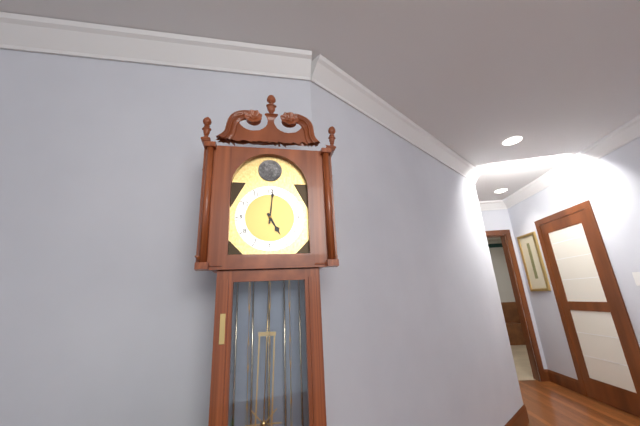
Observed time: 5:01
